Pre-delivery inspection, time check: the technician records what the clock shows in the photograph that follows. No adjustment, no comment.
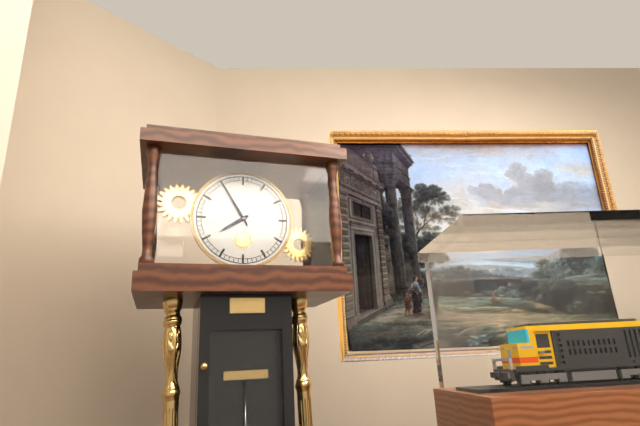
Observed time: 7:55
